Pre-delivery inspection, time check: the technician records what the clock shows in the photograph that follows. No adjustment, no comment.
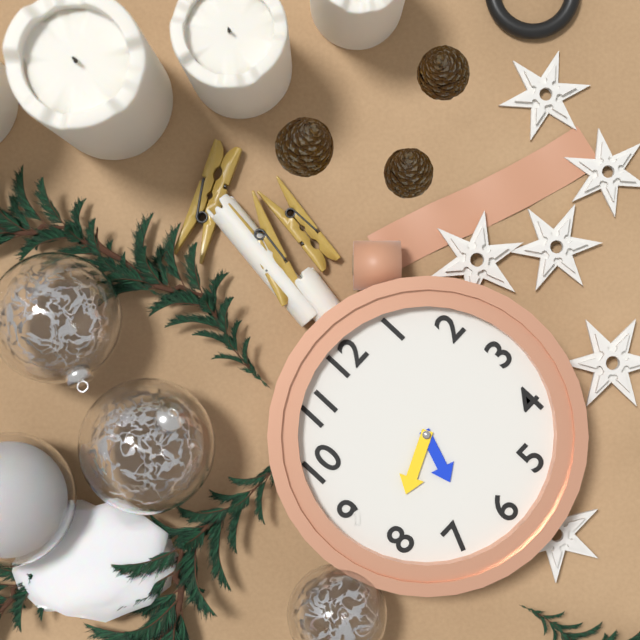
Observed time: 6:41
